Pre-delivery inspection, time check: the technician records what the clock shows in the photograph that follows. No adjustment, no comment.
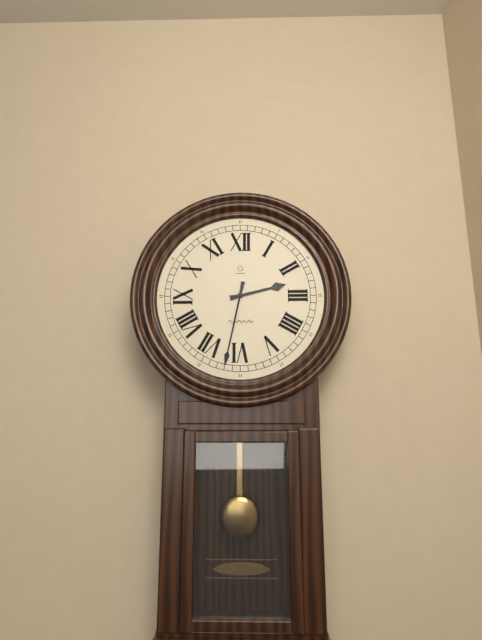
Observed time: 2:32
